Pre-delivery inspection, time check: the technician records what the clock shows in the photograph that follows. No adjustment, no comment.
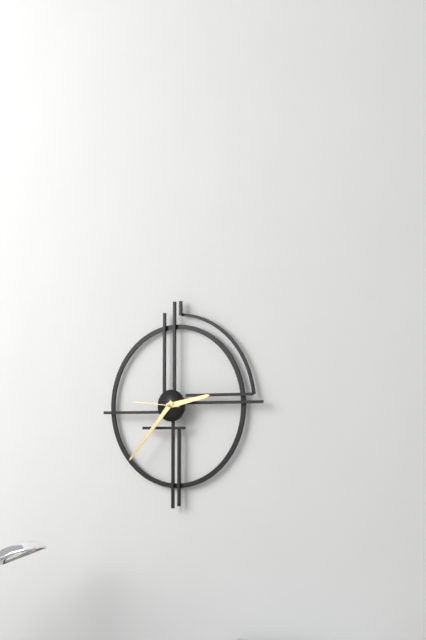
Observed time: 2:37
